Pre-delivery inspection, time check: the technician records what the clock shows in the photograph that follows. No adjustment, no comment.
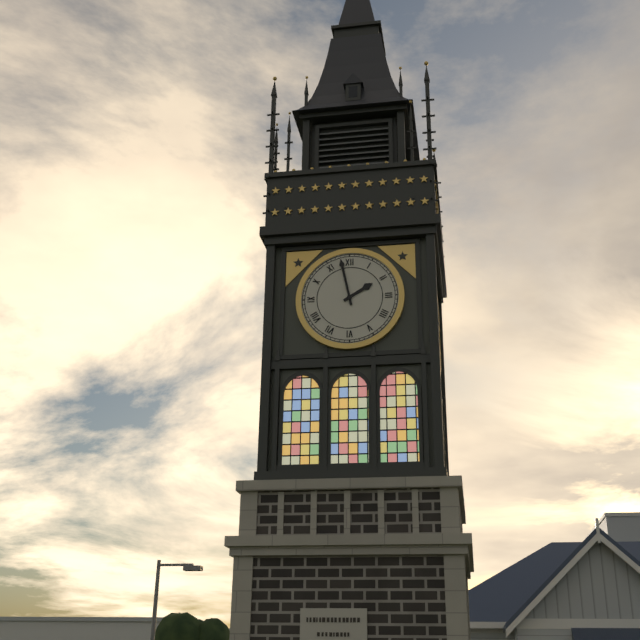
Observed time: 1:58
